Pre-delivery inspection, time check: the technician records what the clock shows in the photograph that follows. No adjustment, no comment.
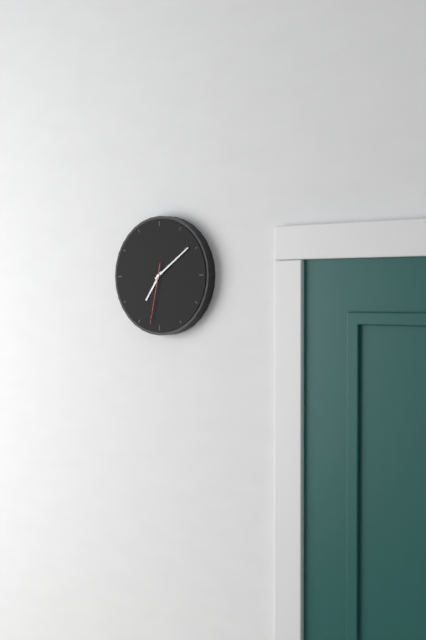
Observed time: 7:09:32
